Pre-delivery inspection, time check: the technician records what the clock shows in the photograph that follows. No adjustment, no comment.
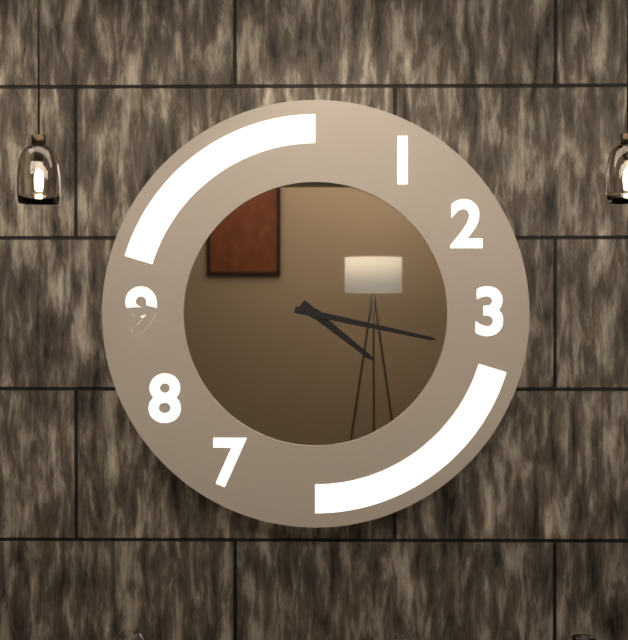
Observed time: 4:17
